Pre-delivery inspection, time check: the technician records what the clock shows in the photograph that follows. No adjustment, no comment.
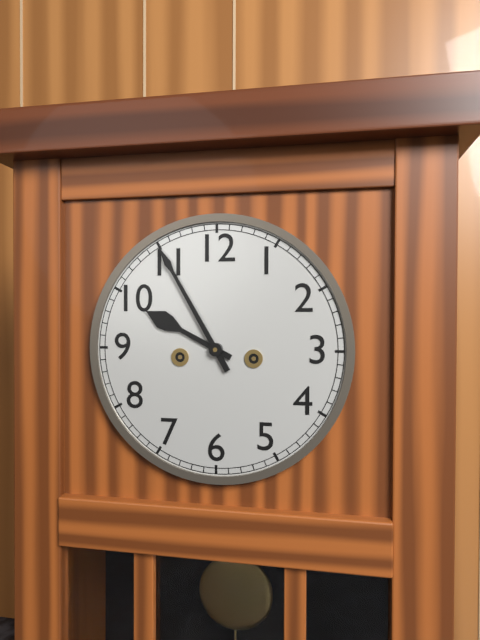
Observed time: 9:55
